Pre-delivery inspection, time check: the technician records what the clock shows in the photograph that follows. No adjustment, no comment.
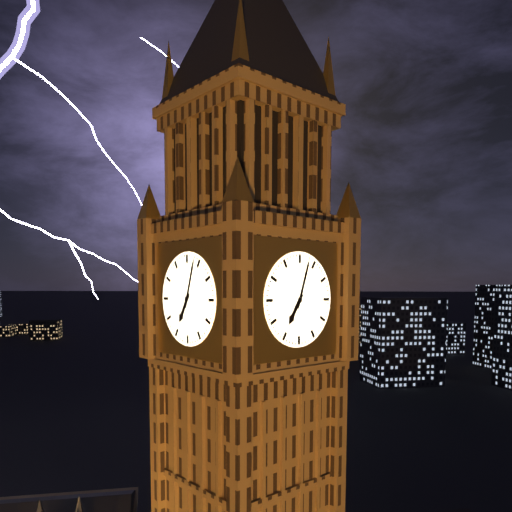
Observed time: 7:03
